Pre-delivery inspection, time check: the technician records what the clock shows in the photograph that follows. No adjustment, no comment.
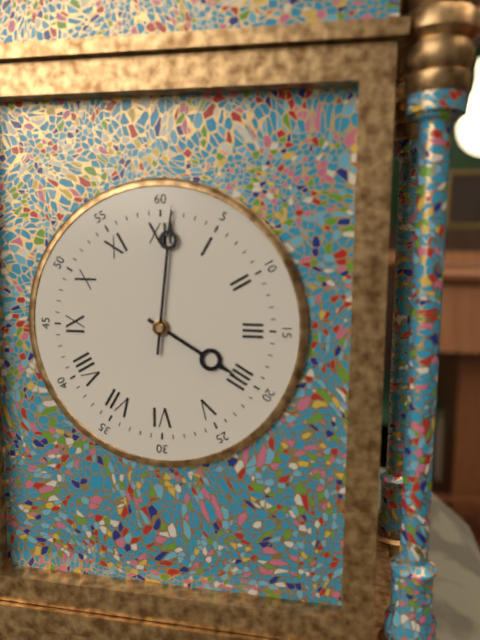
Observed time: 4:01
